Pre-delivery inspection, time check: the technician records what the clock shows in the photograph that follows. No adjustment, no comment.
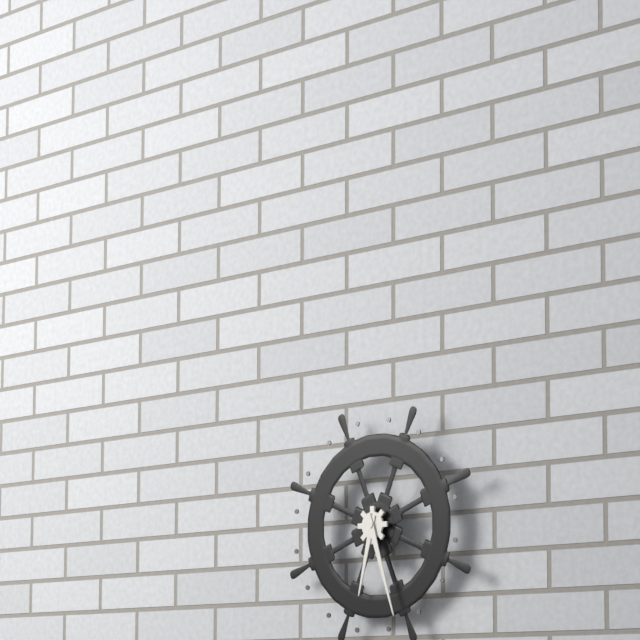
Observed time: 6:27
